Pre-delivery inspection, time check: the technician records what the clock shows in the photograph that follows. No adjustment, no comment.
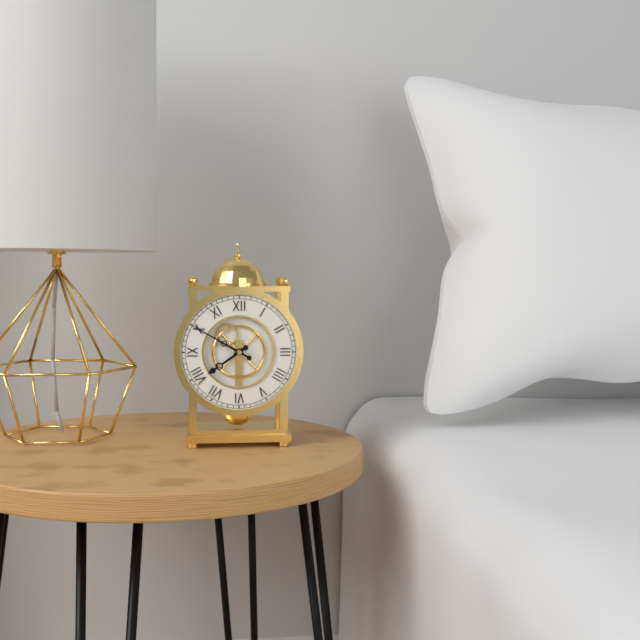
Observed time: 7:50
